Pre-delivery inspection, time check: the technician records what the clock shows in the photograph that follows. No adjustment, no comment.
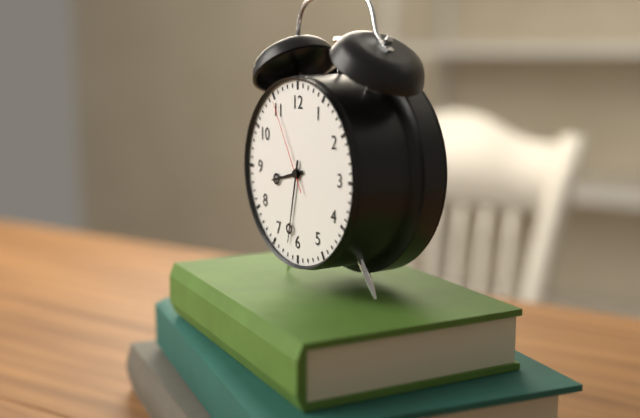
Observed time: 8:32:55
